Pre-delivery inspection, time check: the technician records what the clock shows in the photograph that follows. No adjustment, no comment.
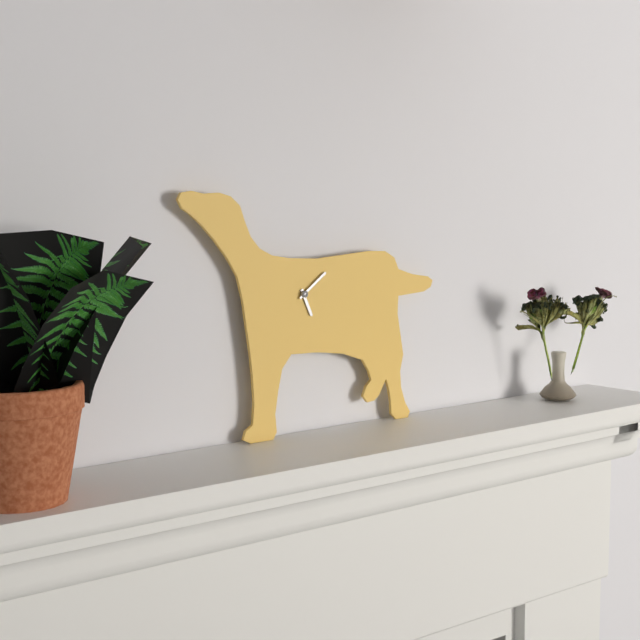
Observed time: 5:09
